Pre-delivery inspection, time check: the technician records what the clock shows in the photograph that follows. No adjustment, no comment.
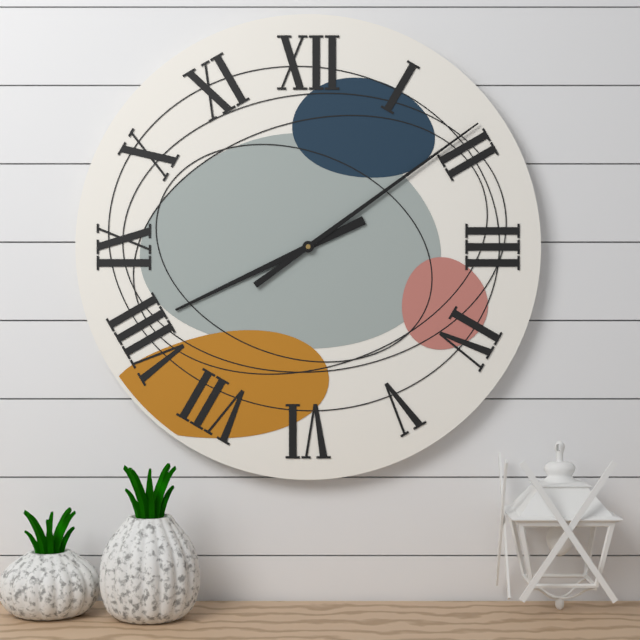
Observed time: 8:09
